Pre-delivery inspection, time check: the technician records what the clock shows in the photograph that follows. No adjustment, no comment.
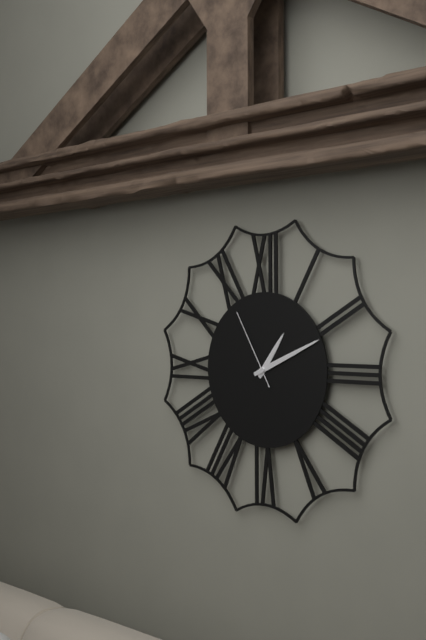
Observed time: 1:11:55
